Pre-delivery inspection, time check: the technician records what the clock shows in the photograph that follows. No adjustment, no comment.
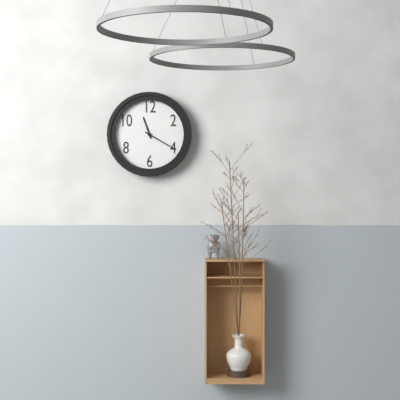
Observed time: 11:20
